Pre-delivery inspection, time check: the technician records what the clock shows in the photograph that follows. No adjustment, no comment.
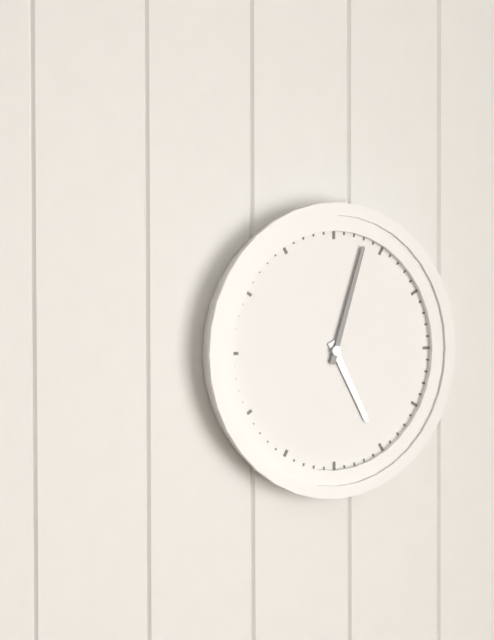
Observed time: 5:03
